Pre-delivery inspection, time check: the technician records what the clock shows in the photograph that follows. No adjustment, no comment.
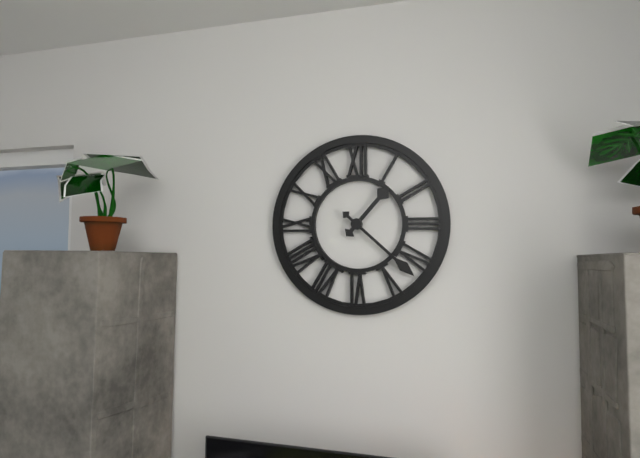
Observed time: 1:22
